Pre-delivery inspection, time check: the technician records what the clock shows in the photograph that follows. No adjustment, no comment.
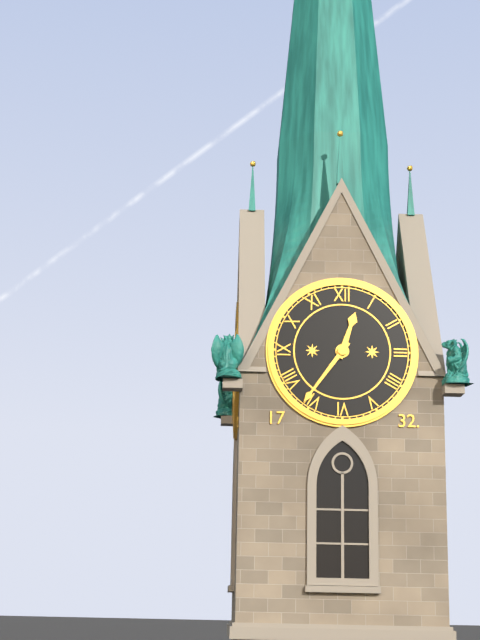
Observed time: 12:36
